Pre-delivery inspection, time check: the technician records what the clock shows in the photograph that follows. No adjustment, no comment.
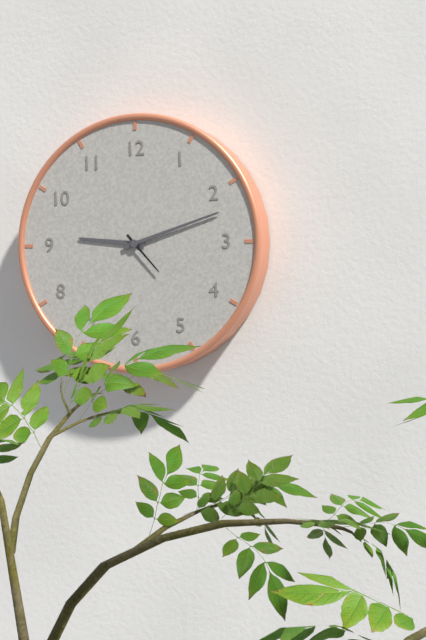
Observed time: 9:12
